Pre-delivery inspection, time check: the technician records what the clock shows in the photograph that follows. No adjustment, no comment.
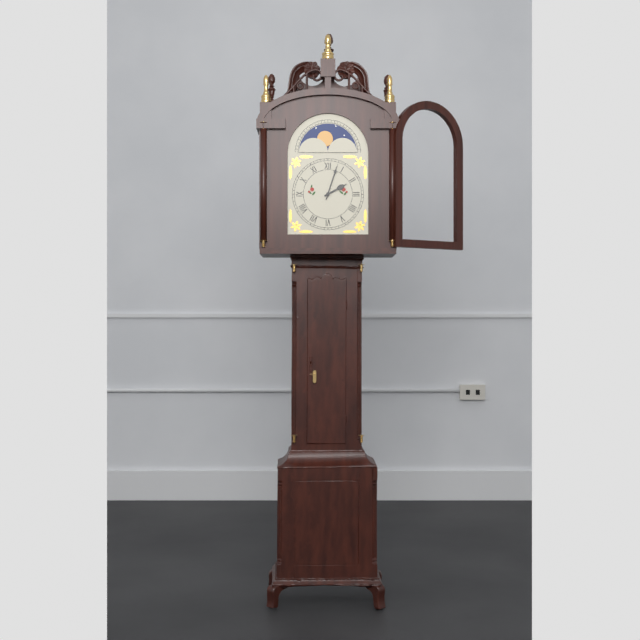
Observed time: 2:03
